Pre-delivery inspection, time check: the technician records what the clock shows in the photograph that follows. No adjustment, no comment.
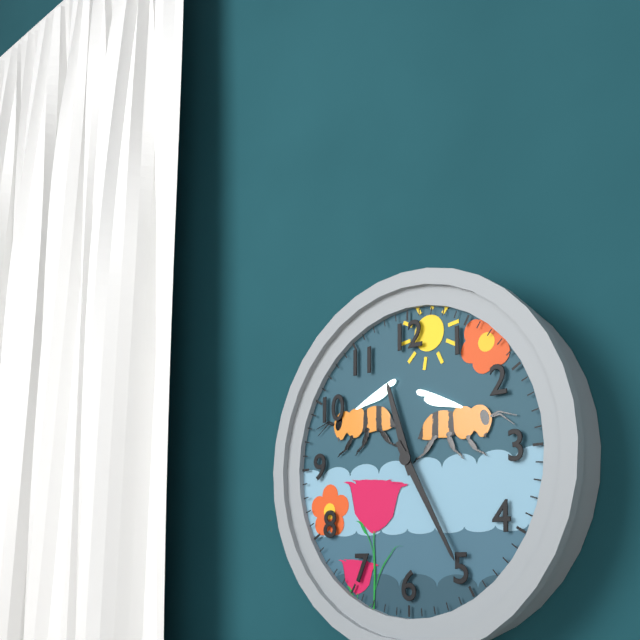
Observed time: 11:25
